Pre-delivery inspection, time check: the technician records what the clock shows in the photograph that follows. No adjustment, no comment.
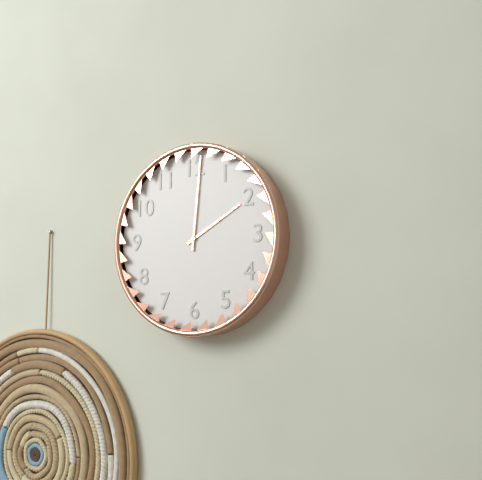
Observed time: 2:01
